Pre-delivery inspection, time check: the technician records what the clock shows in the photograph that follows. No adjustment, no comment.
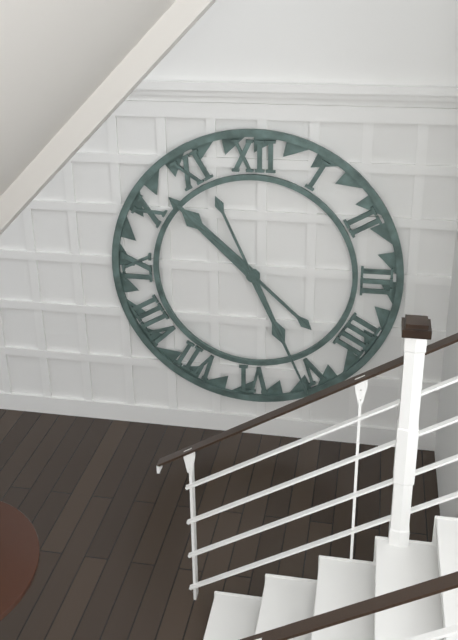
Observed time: 10:26
